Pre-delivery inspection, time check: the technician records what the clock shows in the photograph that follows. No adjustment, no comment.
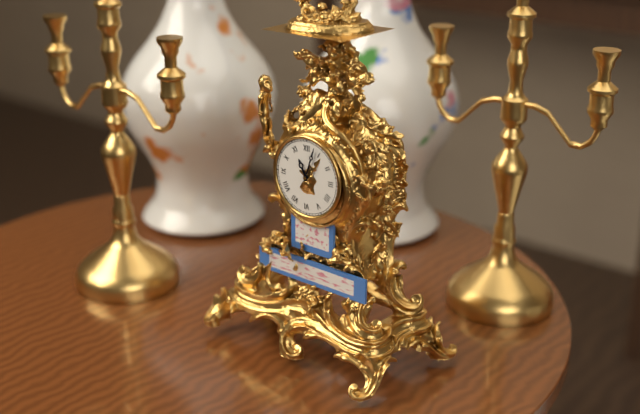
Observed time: 11:03
